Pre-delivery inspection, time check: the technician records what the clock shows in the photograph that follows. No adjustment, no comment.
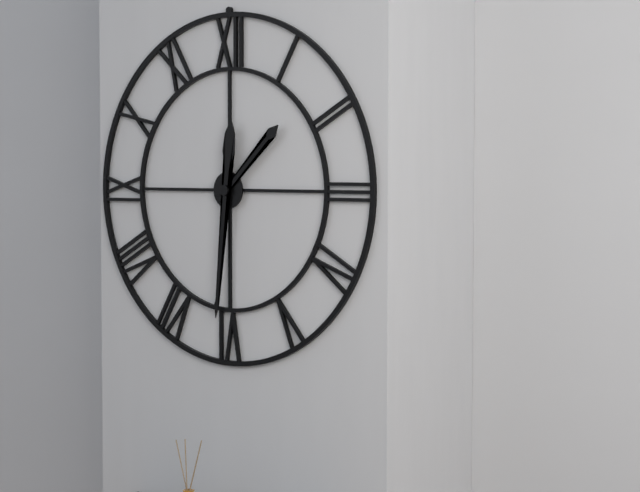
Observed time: 1:31
